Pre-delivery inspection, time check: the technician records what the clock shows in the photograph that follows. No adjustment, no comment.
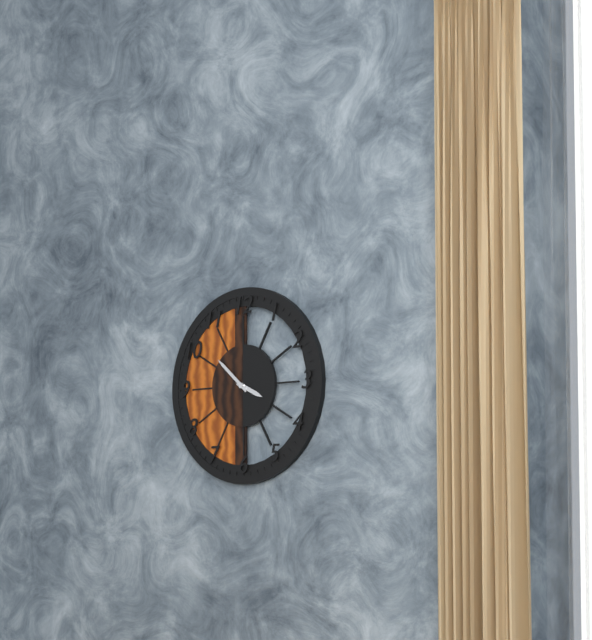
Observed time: 3:52
